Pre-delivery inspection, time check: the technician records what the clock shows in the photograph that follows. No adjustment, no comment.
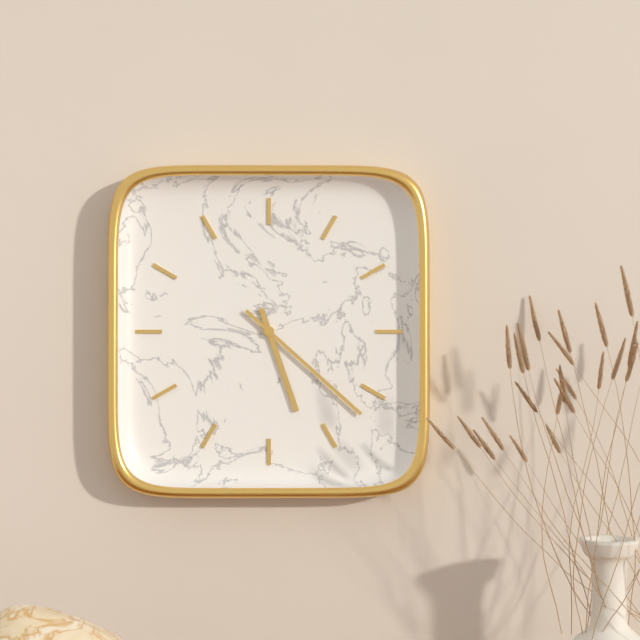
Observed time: 5:22
